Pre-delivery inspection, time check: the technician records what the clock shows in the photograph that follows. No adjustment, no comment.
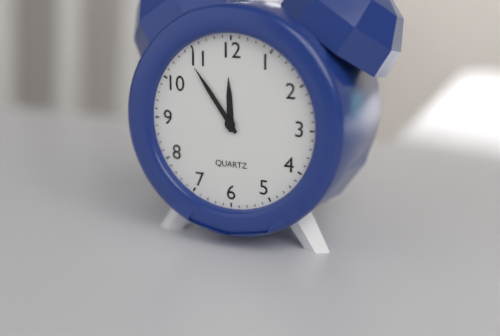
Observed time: 11:54
